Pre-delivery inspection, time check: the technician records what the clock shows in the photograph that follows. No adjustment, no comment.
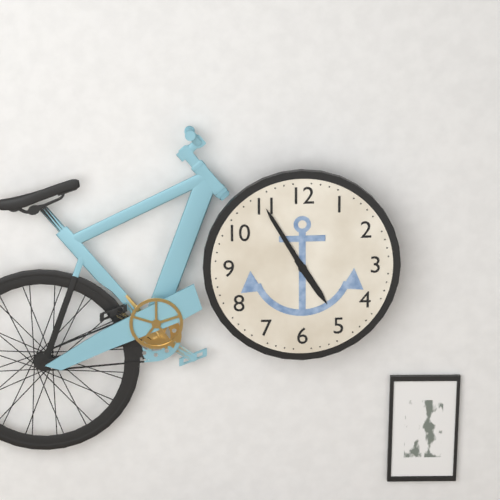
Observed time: 4:55
